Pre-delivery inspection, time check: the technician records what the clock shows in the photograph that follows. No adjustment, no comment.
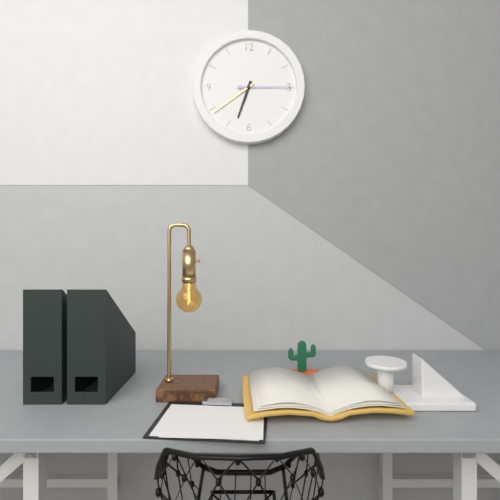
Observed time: 6:39:15
